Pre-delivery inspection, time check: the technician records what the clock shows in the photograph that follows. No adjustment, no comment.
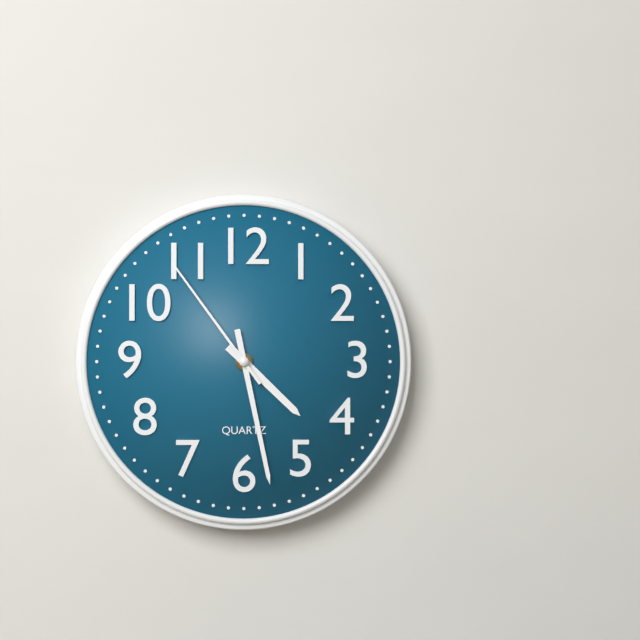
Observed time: 4:28:54
